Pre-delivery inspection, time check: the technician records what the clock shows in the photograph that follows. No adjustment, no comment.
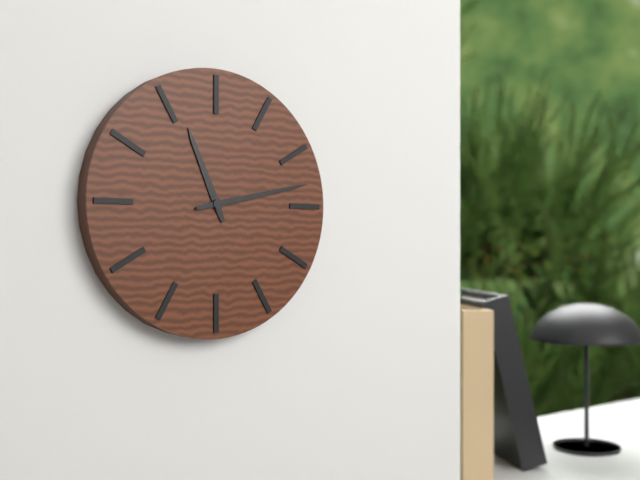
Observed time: 11:13
